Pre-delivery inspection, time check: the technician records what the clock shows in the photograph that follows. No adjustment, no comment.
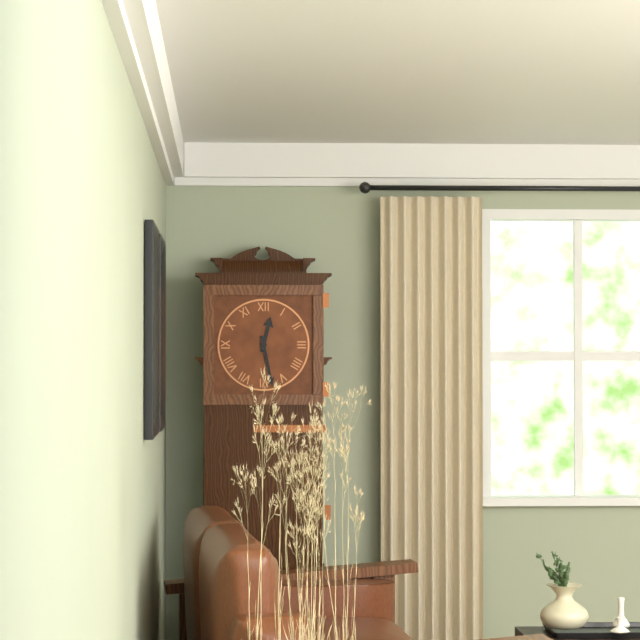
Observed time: 12:28
